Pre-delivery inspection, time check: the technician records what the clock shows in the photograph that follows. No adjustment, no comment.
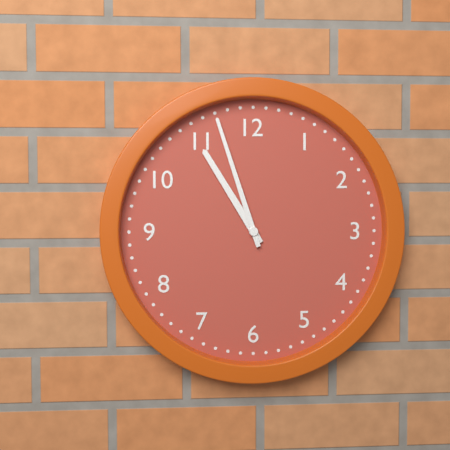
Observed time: 10:57
